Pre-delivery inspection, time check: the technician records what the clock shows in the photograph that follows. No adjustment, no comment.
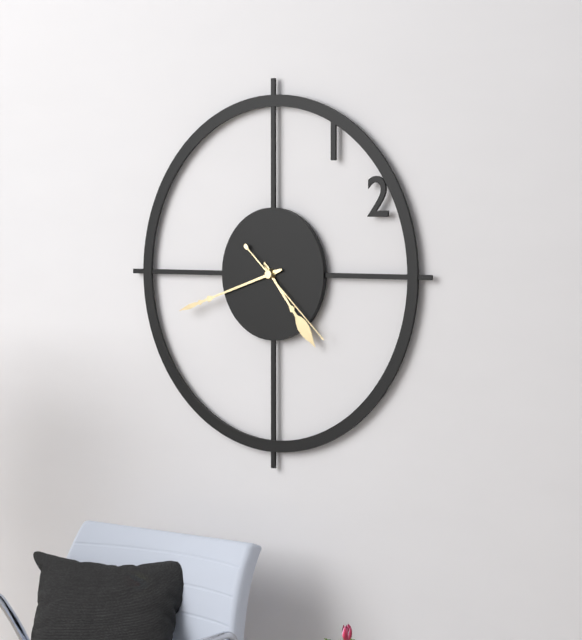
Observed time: 4:42:22
